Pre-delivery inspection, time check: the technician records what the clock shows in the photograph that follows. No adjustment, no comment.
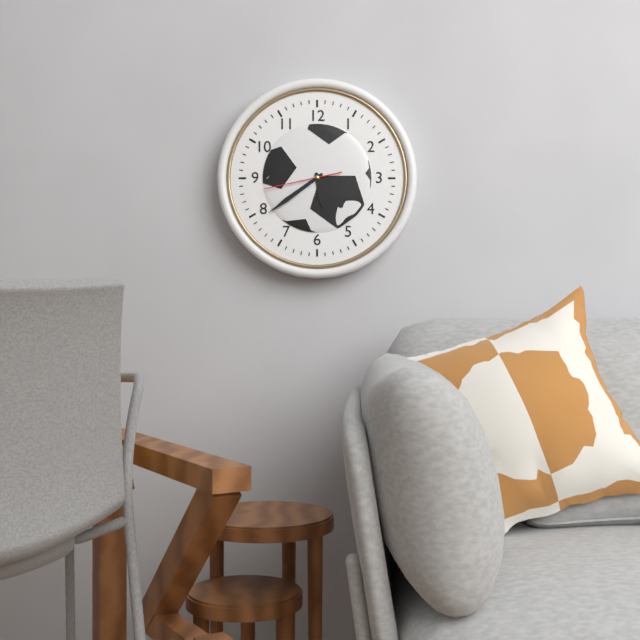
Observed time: 5:39:43
